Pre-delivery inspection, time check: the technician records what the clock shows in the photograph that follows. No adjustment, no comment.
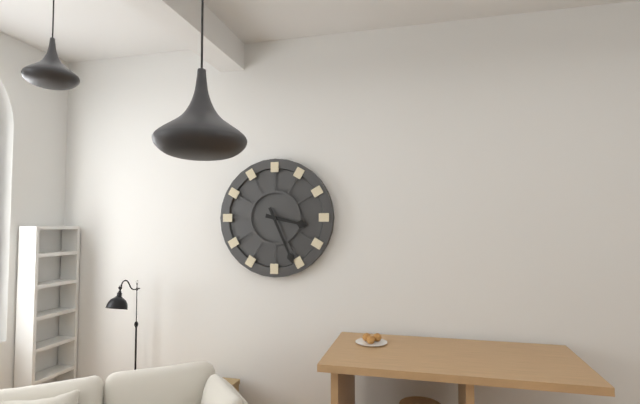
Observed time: 3:26
